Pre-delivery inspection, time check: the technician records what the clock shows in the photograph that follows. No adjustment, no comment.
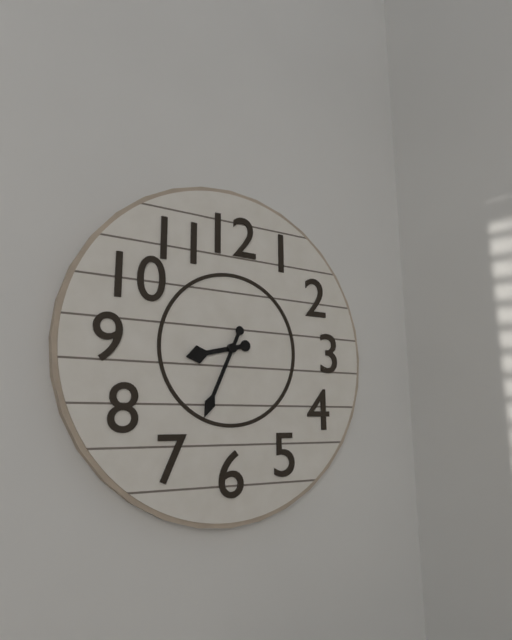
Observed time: 8:34
